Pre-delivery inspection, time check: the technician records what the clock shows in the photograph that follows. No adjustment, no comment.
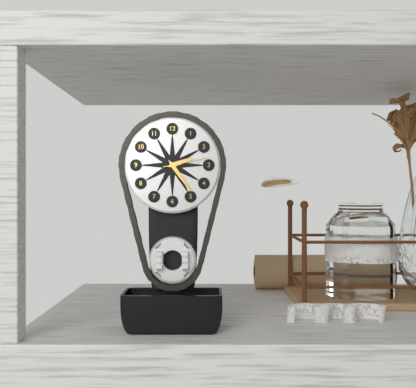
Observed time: 2:24
